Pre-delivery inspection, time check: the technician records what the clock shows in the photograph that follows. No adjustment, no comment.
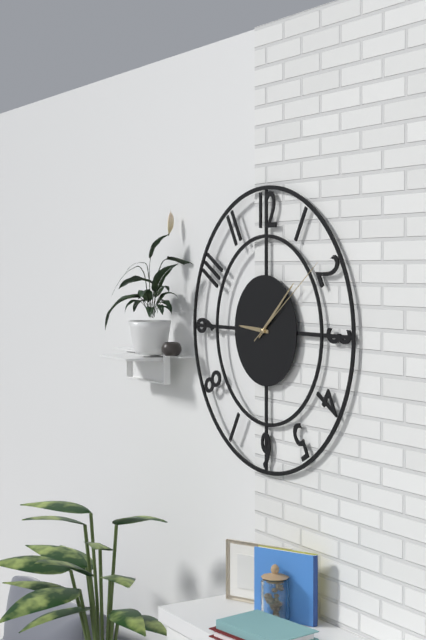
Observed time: 9:08:09
